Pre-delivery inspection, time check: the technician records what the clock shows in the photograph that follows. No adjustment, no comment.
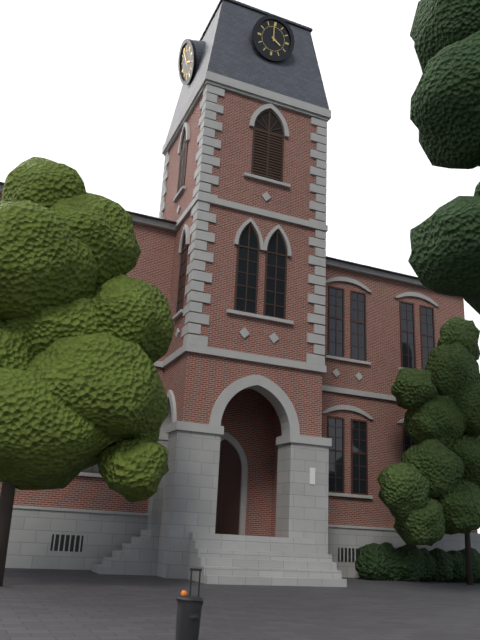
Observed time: 3:59
